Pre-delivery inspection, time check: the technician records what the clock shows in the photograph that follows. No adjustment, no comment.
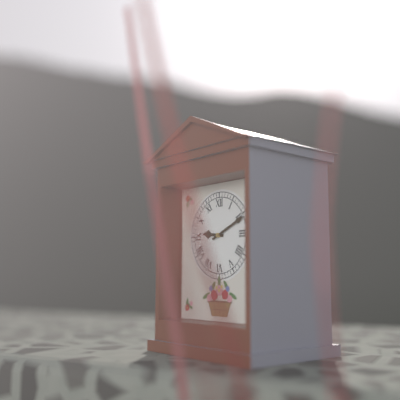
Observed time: 9:11
